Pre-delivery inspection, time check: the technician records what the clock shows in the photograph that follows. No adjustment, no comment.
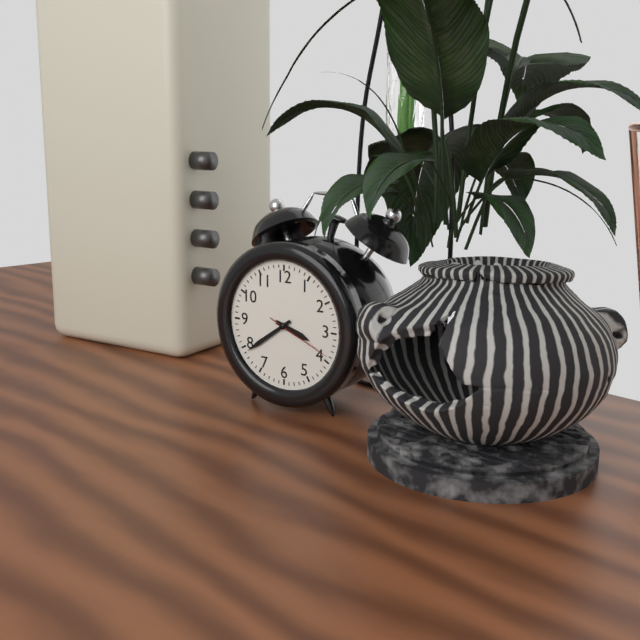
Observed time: 3:39:19
